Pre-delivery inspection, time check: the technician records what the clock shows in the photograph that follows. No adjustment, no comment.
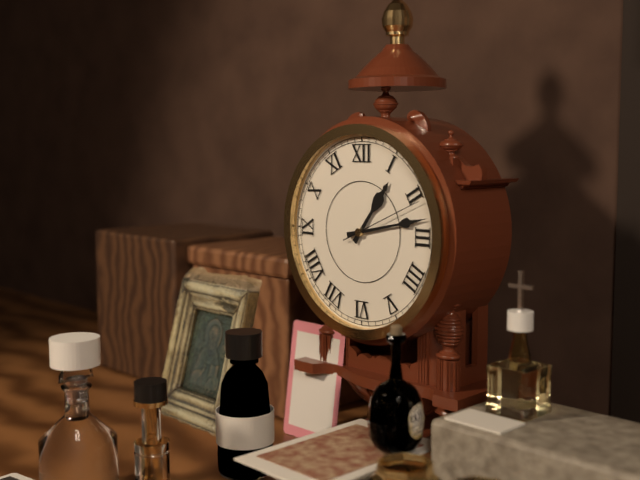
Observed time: 1:13:11
